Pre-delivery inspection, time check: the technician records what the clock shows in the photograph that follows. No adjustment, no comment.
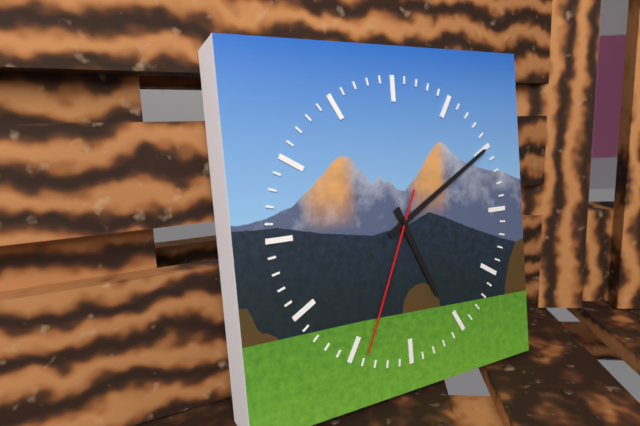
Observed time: 5:10:34
